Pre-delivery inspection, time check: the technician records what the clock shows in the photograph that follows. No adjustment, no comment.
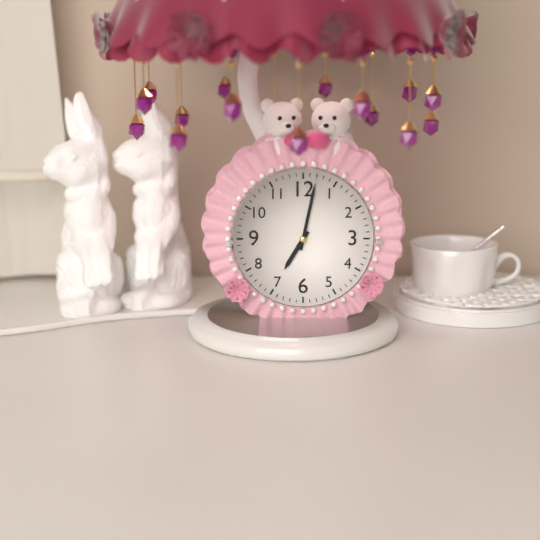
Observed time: 7:02
